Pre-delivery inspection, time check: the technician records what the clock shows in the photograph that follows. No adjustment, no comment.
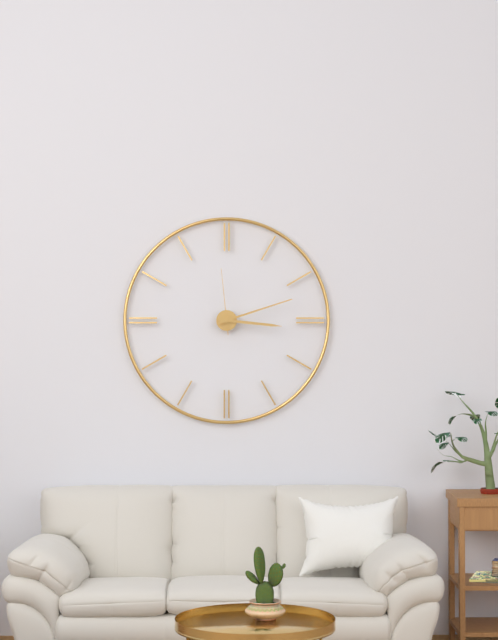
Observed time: 3:12:59
